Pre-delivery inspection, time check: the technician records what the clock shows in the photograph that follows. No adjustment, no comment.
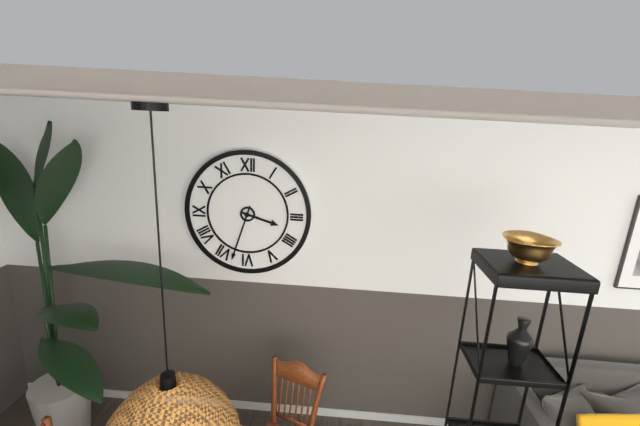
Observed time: 3:33
